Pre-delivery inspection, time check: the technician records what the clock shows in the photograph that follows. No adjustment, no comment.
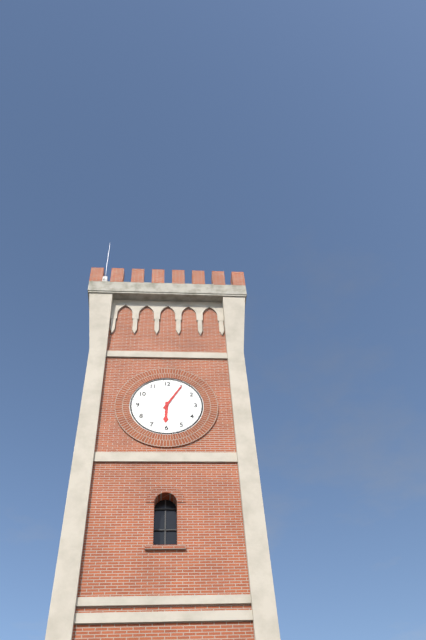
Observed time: 6:05
